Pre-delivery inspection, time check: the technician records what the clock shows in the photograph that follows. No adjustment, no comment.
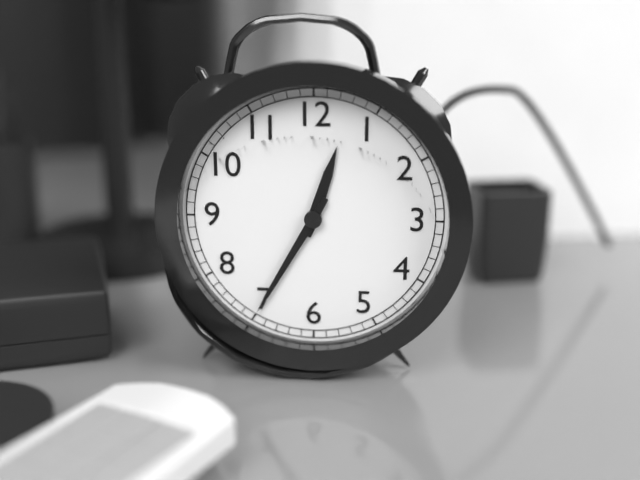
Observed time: 12:35
